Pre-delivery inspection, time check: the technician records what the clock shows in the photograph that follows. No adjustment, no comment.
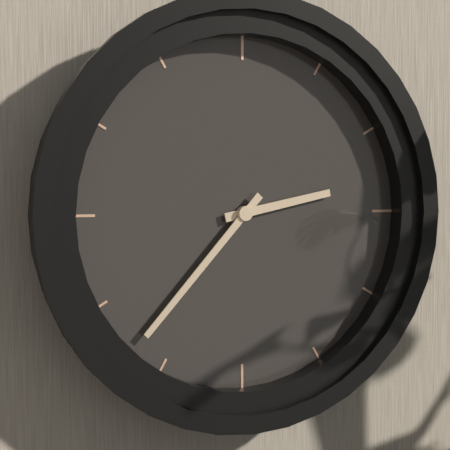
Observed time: 2:37
